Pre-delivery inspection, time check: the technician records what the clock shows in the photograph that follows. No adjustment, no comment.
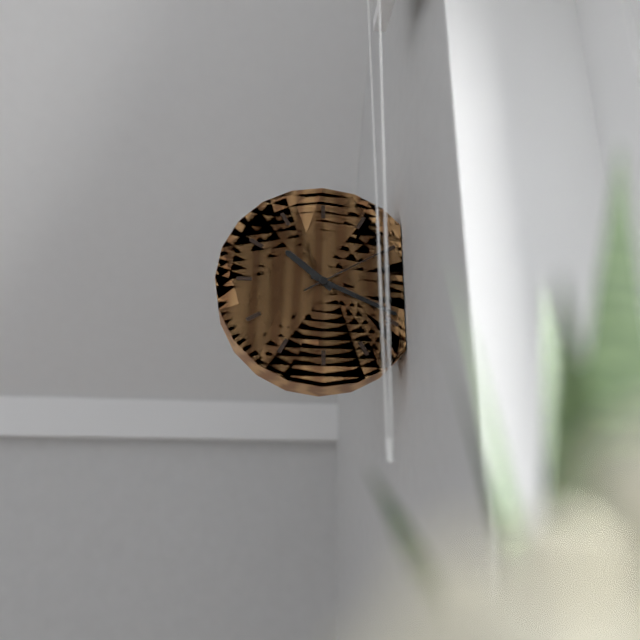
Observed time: 10:19:10
